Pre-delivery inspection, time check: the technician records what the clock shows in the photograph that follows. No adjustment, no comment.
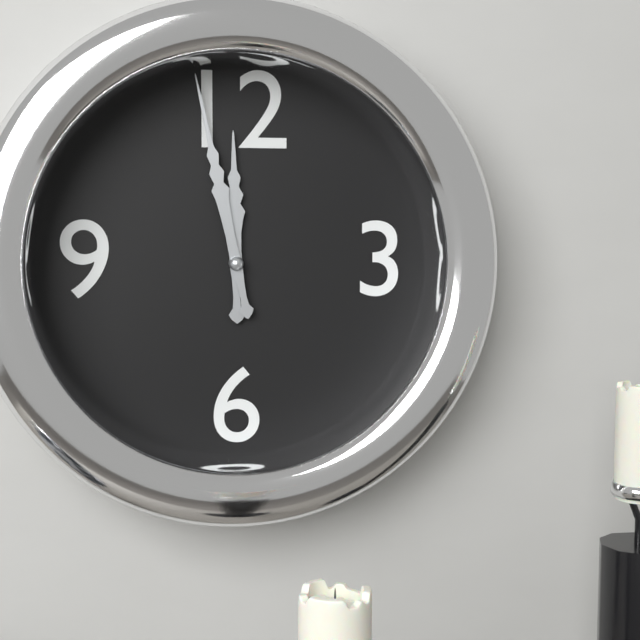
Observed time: 11:58
